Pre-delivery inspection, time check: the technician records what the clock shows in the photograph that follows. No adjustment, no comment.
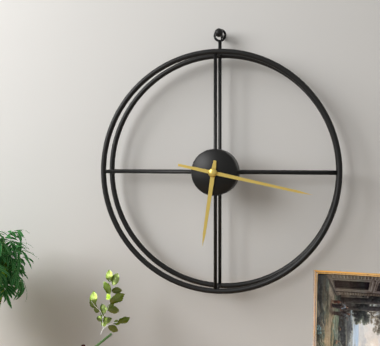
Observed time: 6:17
